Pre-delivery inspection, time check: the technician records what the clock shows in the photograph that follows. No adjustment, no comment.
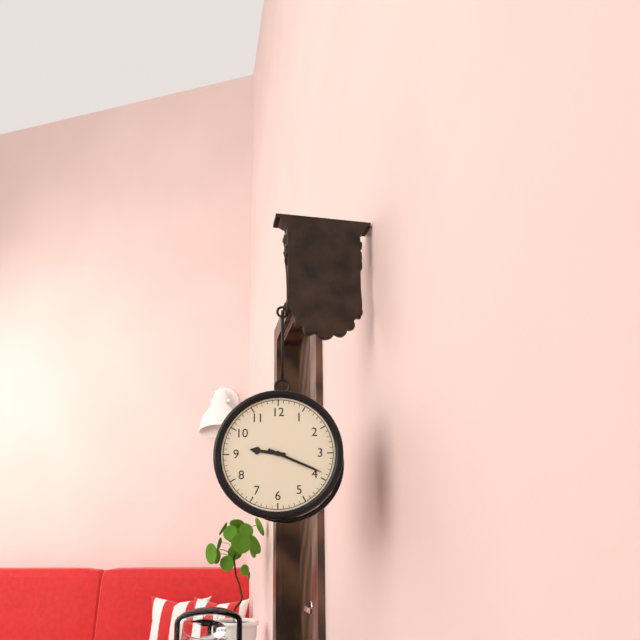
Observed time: 9:19
